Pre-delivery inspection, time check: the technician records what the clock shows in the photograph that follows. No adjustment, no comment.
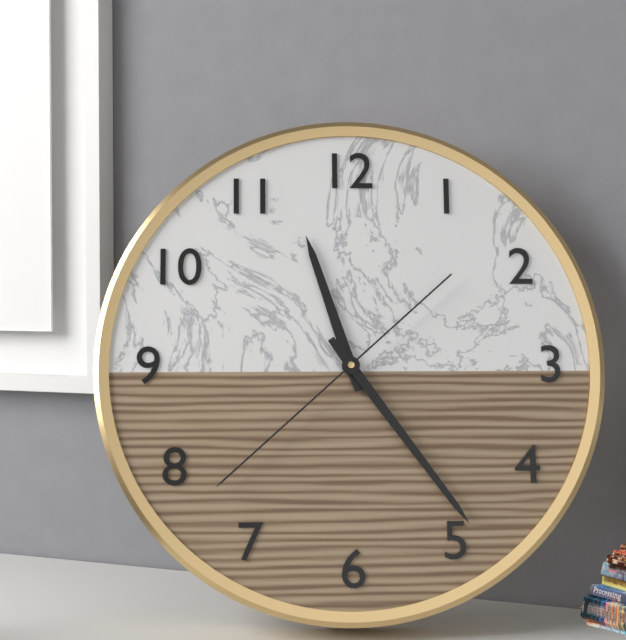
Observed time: 11:24:38
